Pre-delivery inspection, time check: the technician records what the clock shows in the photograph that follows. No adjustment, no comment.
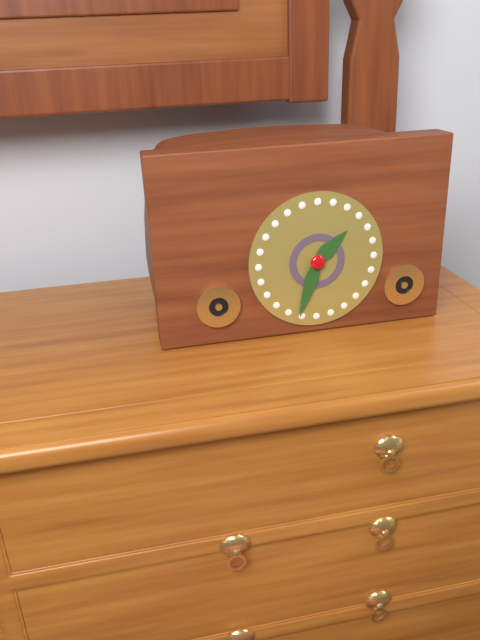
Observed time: 1:33
